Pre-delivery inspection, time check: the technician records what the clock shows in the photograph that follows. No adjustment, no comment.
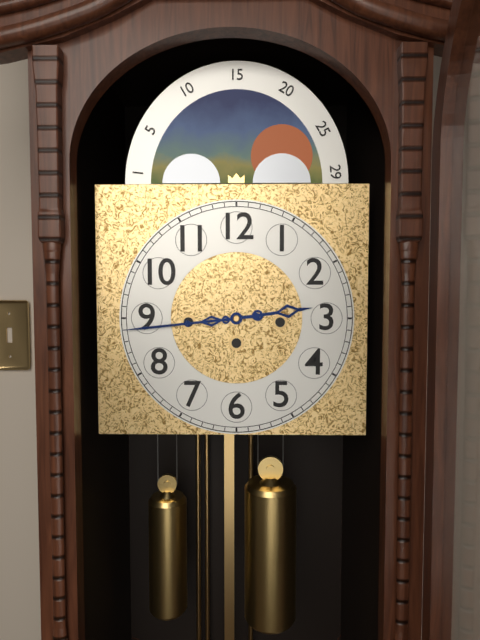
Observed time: 2:44
